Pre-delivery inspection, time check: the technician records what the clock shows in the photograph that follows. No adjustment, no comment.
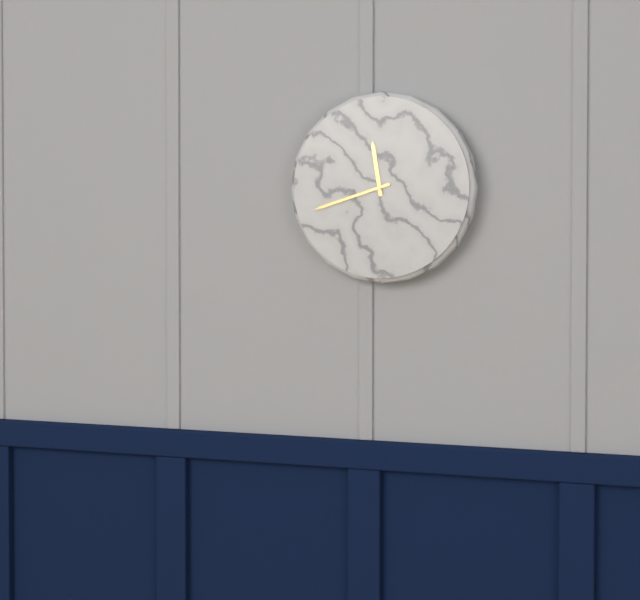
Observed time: 11:42
